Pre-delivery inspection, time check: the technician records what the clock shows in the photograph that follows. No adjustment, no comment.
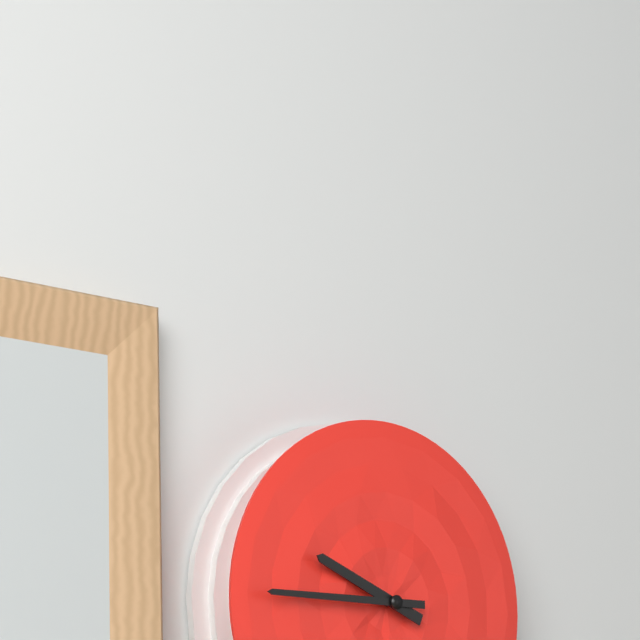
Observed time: 9:45
